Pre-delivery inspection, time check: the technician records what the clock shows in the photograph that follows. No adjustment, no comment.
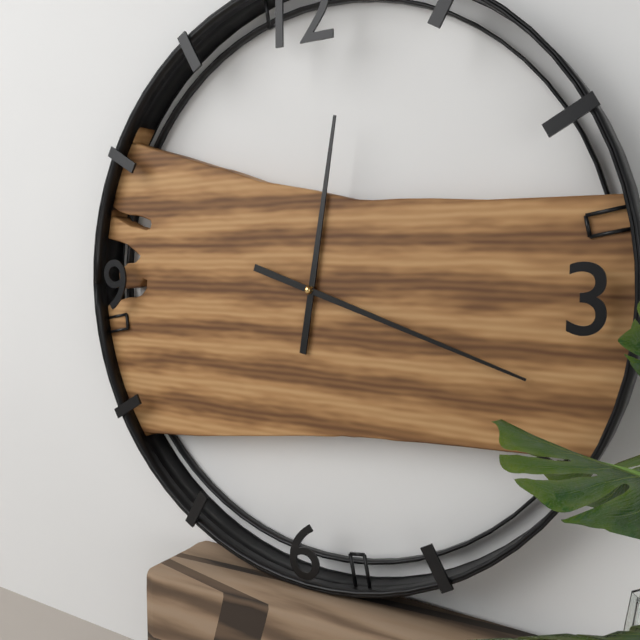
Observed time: 12:18
